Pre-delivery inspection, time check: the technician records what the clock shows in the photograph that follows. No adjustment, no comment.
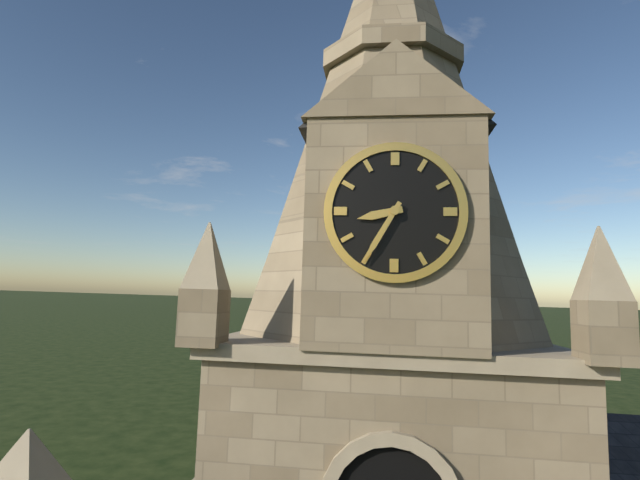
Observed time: 8:35
